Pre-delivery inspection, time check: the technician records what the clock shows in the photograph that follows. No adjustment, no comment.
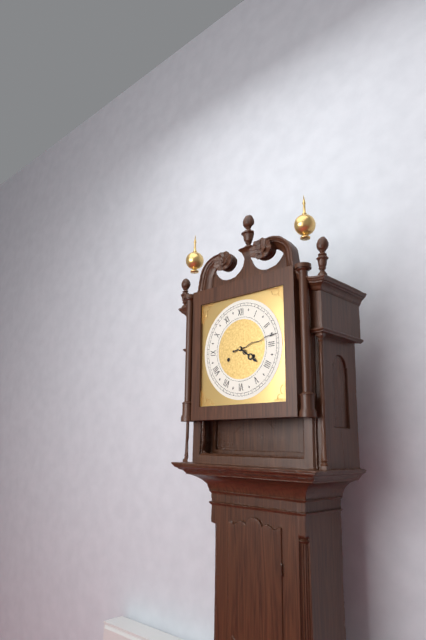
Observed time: 4:13
